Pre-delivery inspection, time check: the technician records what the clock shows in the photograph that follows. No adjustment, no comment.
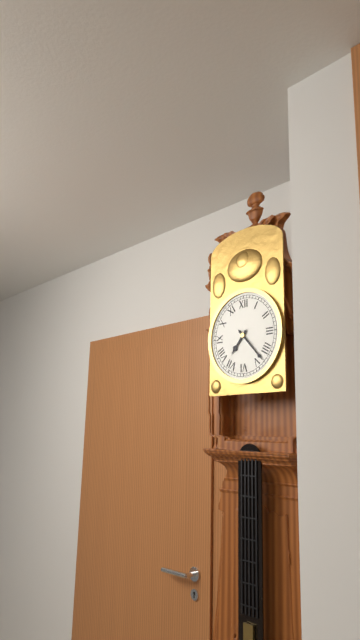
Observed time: 7:23
